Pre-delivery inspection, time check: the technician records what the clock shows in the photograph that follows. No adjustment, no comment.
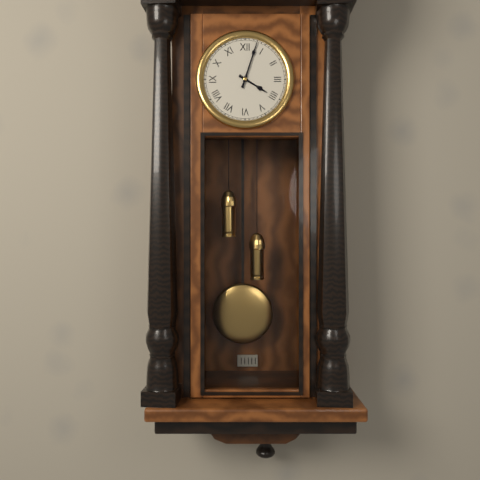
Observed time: 4:03
